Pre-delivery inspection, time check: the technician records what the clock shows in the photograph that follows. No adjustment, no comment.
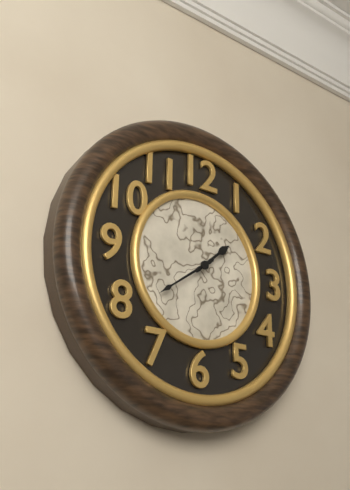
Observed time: 1:39
